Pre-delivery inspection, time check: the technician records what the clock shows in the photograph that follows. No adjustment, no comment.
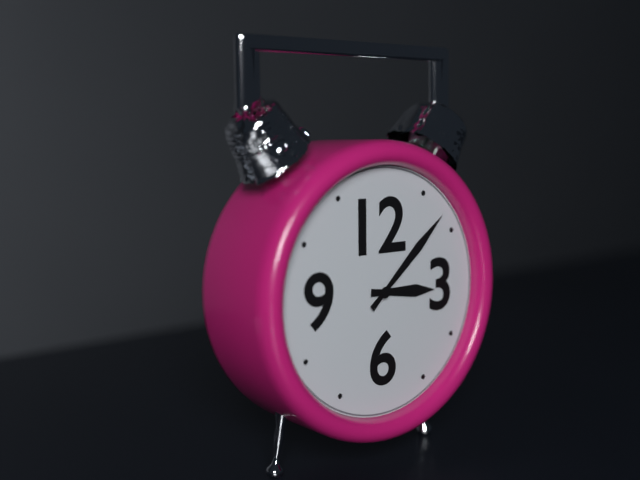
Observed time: 3:08
